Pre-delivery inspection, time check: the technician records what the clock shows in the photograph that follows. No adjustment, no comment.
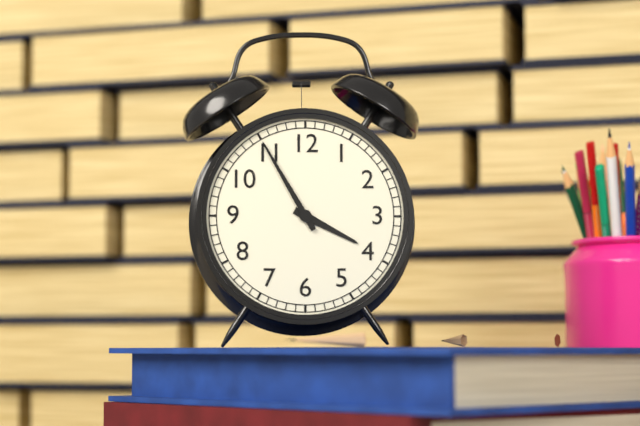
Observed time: 3:55
